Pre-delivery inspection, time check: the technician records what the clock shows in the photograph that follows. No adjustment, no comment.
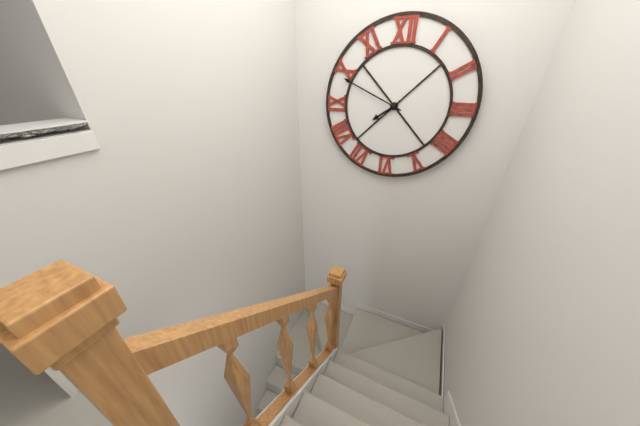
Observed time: 7:49
